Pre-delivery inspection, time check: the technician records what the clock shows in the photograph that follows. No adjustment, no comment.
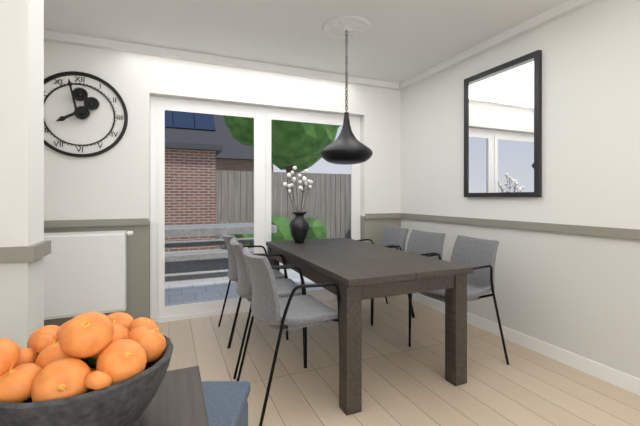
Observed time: 7:58
